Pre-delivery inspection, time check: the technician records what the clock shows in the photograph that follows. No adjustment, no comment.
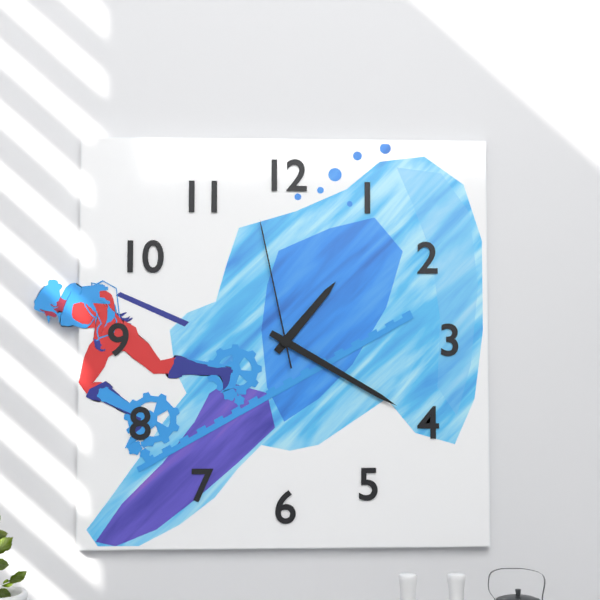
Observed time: 1:20:58
